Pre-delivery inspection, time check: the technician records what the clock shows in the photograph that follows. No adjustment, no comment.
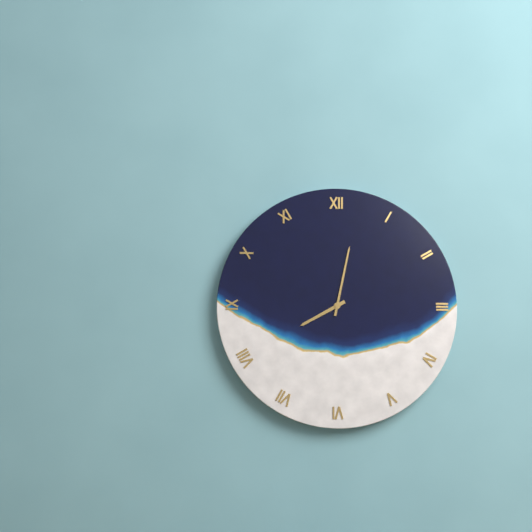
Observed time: 8:02
